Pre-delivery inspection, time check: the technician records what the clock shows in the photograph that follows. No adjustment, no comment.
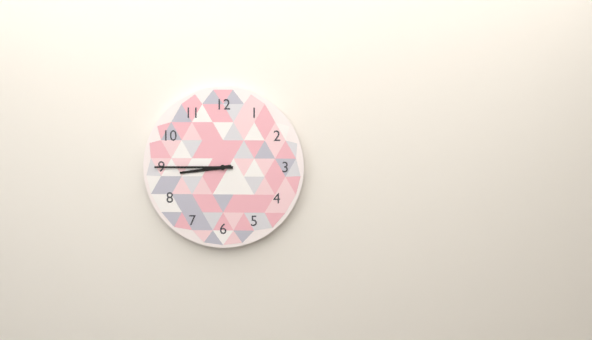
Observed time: 8:45
